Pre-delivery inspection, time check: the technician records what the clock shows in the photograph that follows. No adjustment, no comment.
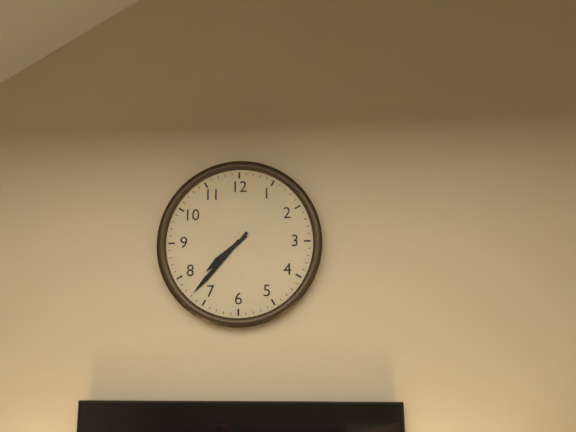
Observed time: 7:37
